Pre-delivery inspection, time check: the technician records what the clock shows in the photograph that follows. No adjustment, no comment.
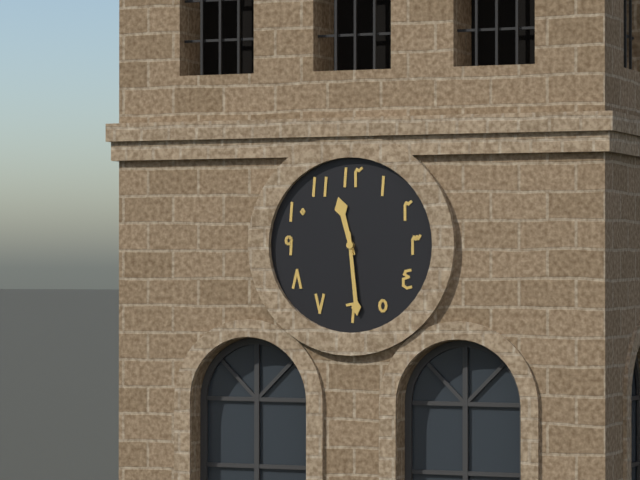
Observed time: 11:29
